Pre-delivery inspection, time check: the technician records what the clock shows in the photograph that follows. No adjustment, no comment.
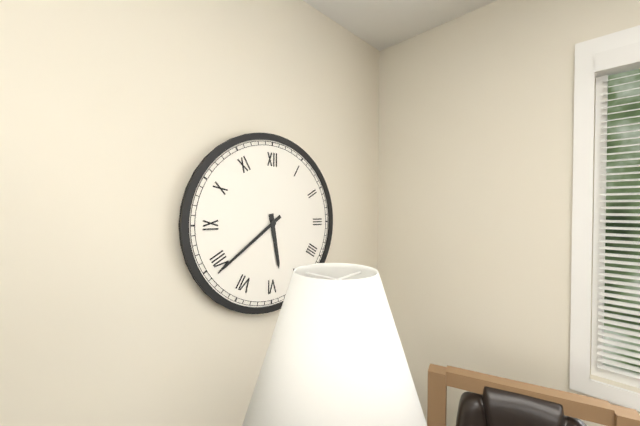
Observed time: 5:39
